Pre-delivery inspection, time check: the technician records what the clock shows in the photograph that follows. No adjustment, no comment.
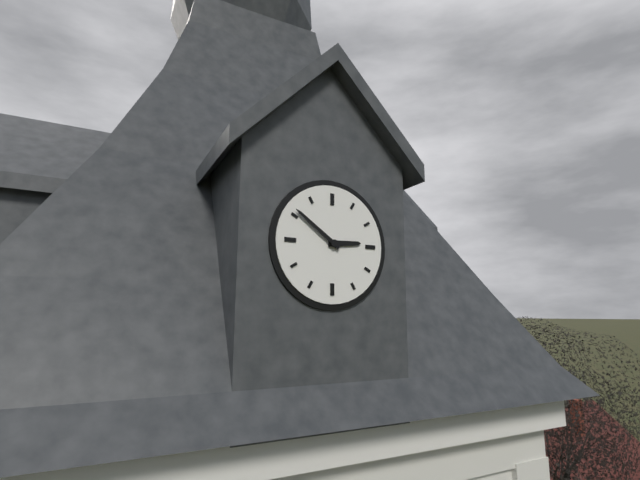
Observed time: 2:51
